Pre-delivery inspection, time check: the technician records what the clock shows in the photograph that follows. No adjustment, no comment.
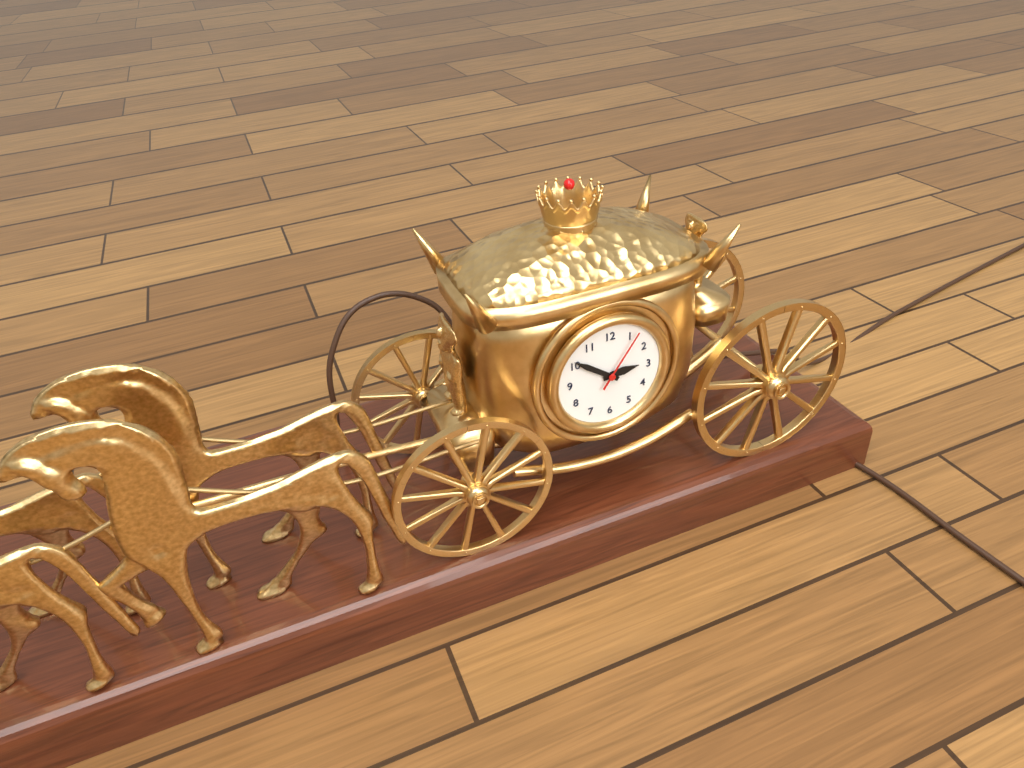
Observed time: 2:51:06
